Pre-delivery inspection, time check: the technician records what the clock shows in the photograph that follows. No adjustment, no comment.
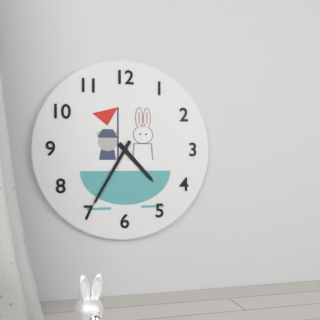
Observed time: 4:35
